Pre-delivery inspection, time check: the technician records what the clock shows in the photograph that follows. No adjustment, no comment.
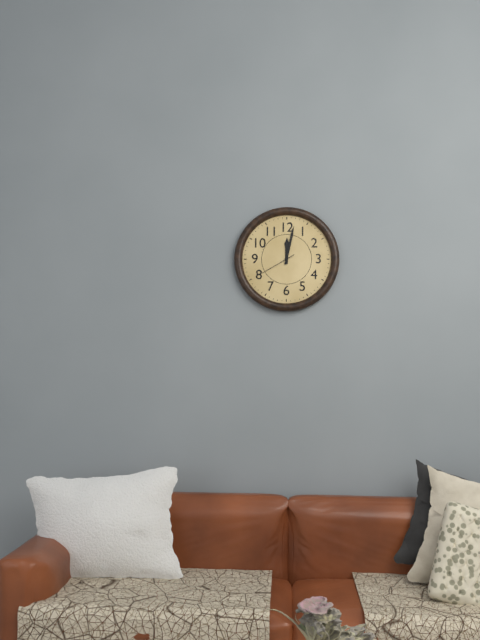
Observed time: 12:02
